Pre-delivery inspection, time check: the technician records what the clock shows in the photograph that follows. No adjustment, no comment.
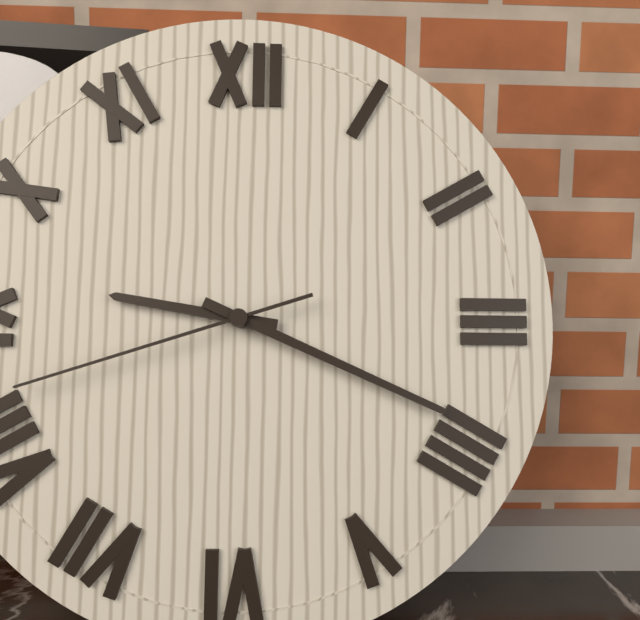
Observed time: 9:19:42
